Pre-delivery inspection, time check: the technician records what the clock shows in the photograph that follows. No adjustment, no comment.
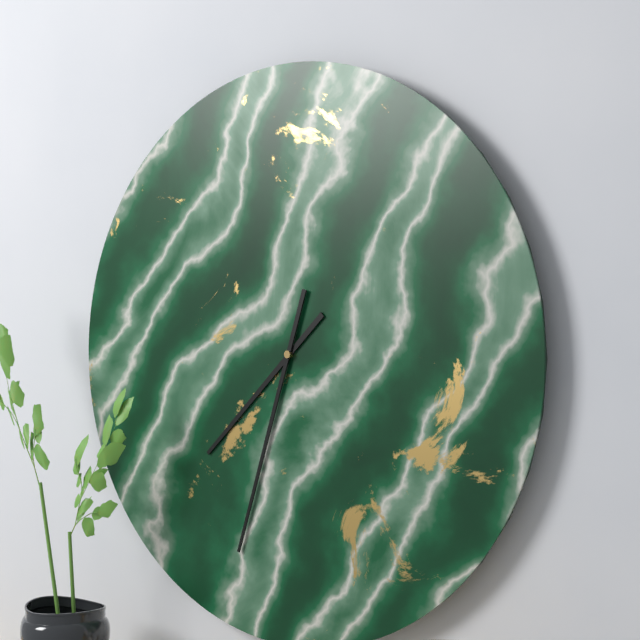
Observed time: 7:33
